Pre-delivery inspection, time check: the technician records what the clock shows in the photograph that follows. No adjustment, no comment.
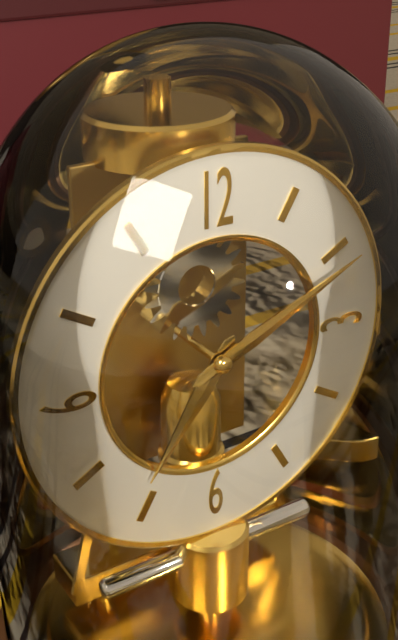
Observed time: 7:11
